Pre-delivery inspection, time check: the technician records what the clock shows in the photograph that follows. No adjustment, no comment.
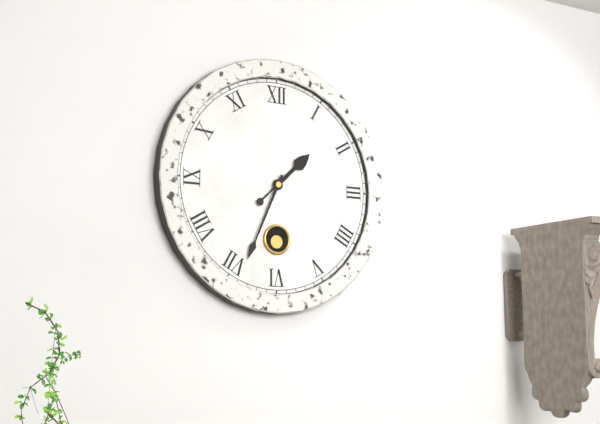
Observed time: 1:34
